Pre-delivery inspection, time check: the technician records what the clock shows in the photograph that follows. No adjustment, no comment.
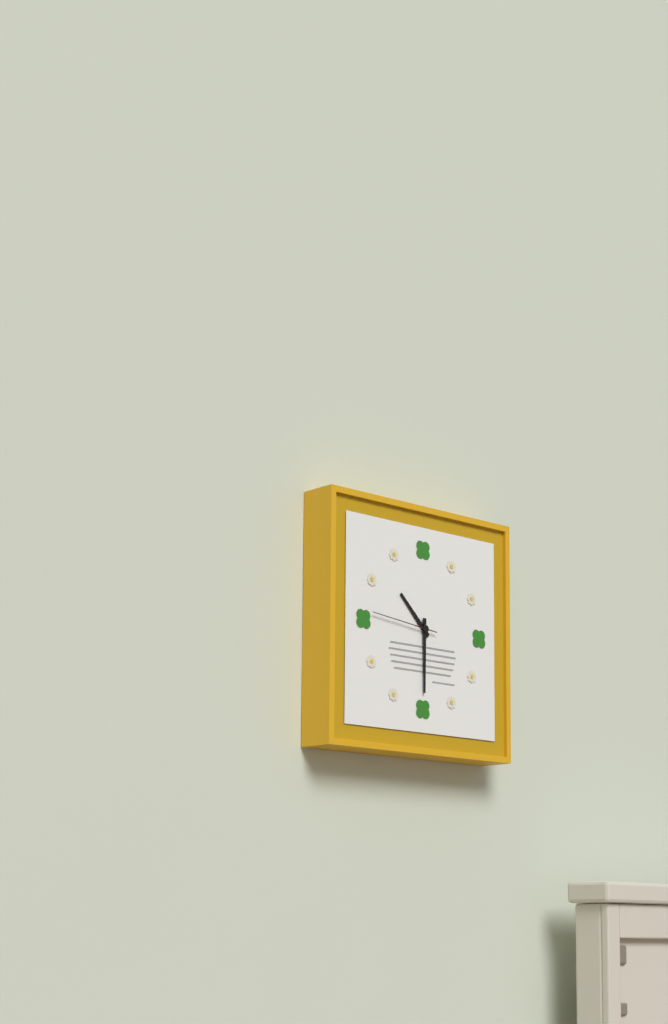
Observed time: 10:30:46
